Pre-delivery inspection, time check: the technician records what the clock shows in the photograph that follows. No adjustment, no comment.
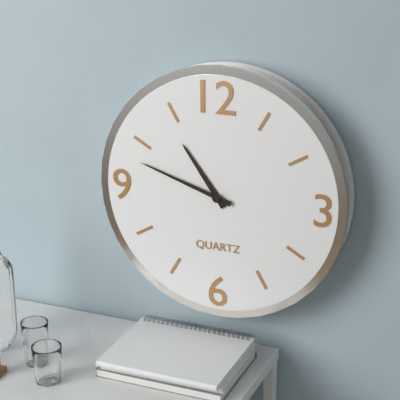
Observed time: 10:48
